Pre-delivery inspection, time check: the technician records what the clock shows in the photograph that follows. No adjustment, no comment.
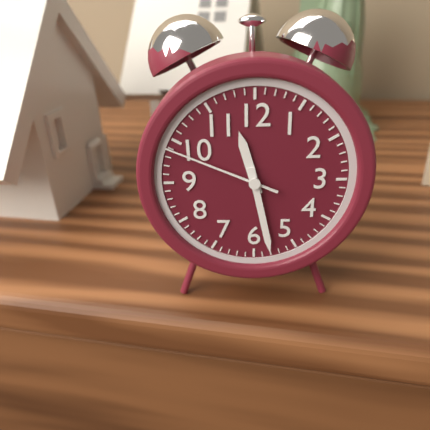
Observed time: 11:28:49
